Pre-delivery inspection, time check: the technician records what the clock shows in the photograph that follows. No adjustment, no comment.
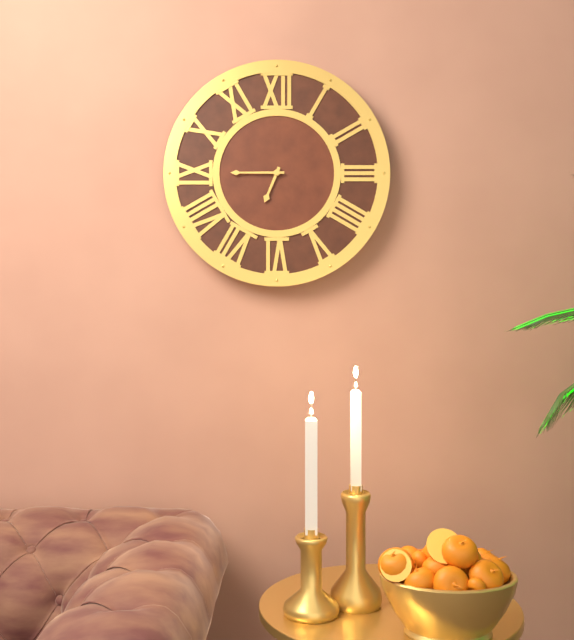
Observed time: 6:45
